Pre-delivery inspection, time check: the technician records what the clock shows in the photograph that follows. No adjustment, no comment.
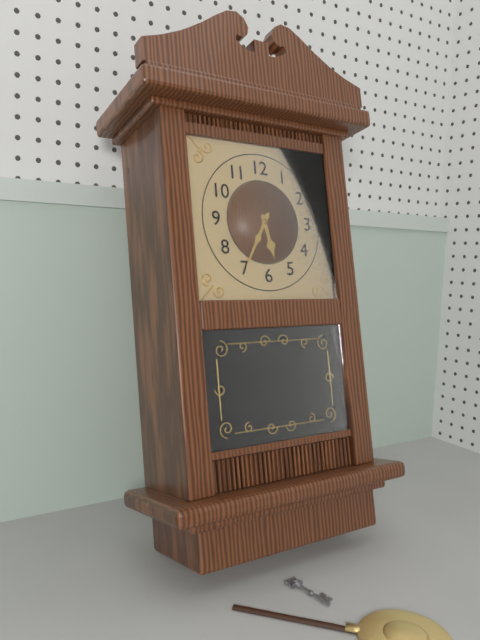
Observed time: 5:35
